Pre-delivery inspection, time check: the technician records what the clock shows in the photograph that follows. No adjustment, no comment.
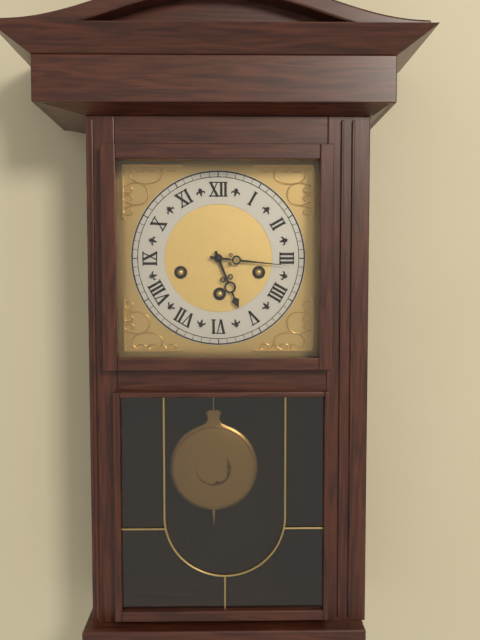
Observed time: 5:16
